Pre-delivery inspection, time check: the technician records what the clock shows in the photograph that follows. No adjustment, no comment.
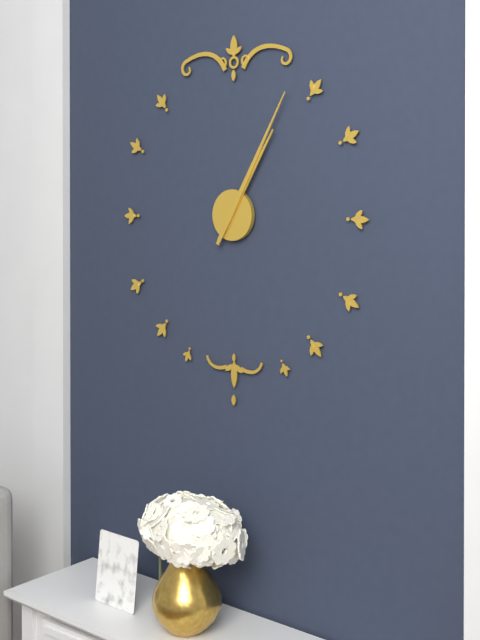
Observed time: 1:05
